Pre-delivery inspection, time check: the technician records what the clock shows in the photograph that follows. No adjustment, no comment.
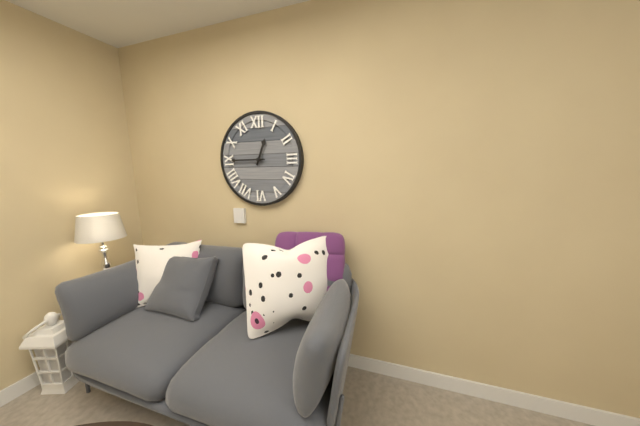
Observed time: 12:45
